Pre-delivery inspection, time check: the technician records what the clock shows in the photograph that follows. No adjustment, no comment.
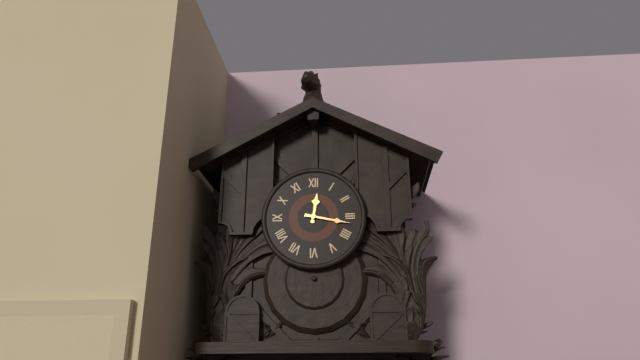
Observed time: 12:17
